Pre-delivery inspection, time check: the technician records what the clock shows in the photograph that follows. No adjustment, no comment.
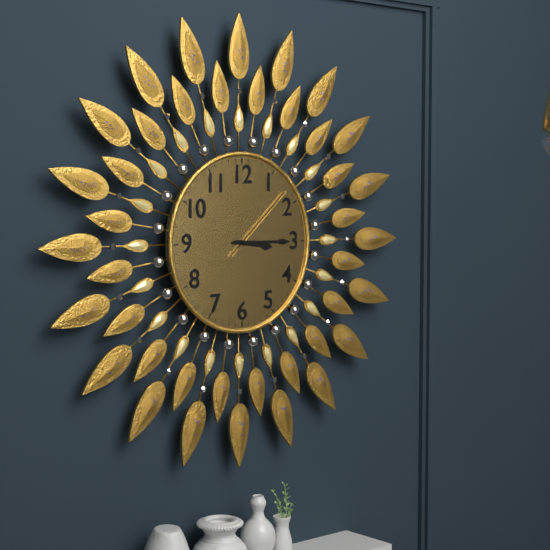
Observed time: 3:15:08
